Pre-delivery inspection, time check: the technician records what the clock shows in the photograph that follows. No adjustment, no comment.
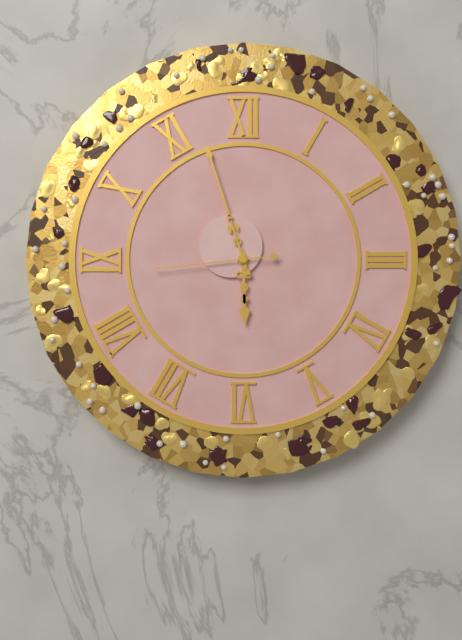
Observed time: 5:57:44
